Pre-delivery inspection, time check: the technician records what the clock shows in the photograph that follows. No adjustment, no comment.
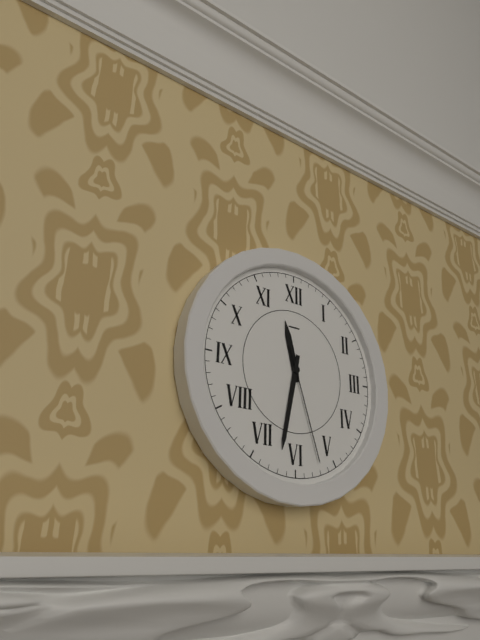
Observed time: 11:32:27
